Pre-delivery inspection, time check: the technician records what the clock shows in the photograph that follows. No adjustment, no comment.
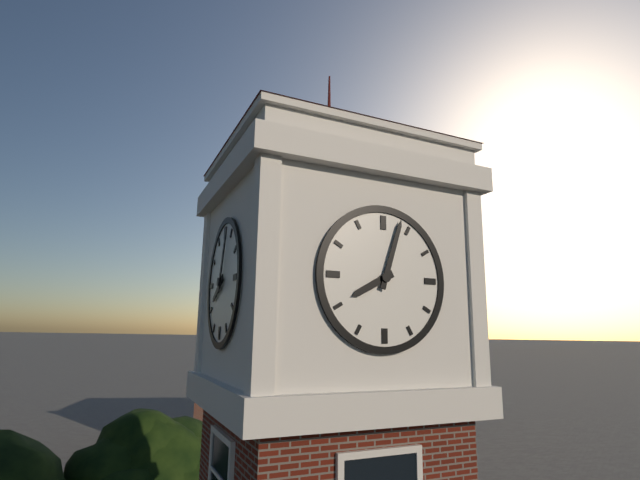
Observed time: 8:03
